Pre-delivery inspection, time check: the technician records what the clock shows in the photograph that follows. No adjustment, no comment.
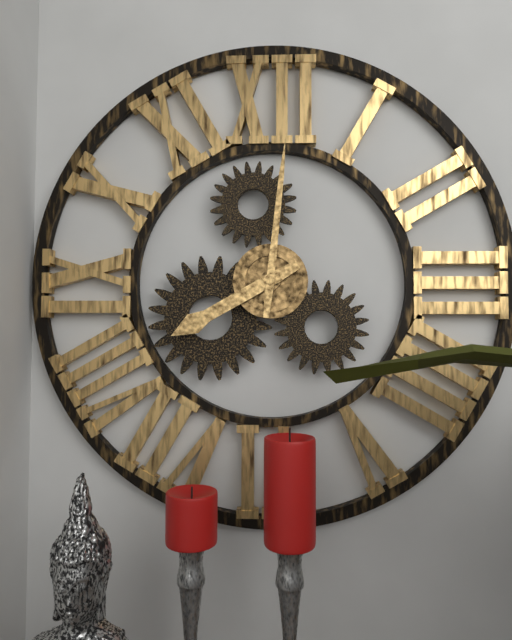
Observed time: 8:01
